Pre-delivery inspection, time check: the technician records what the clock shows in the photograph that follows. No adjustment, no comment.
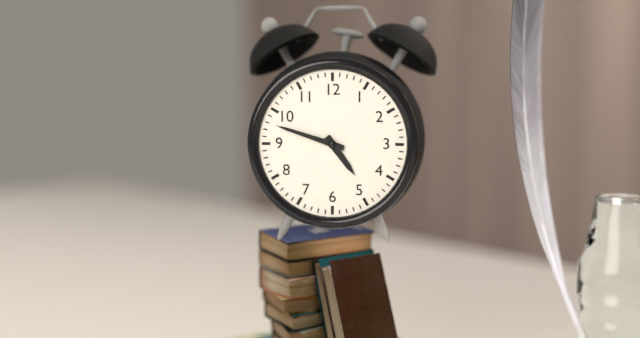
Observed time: 4:48
